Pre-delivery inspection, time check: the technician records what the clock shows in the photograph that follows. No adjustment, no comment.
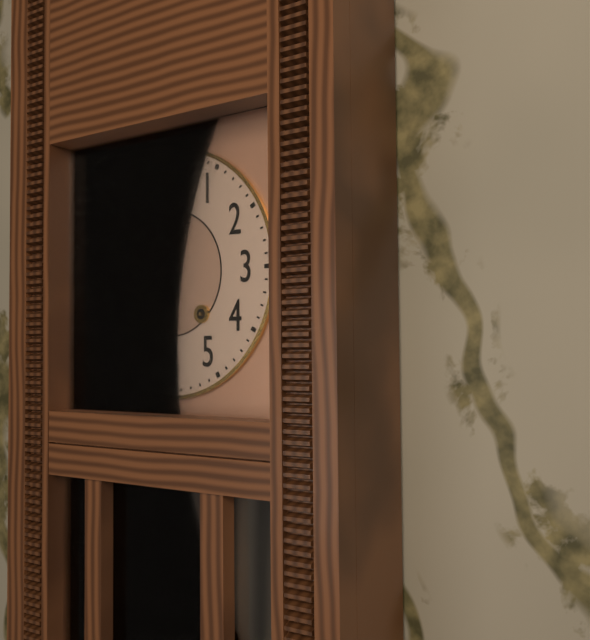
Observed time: 11:30
